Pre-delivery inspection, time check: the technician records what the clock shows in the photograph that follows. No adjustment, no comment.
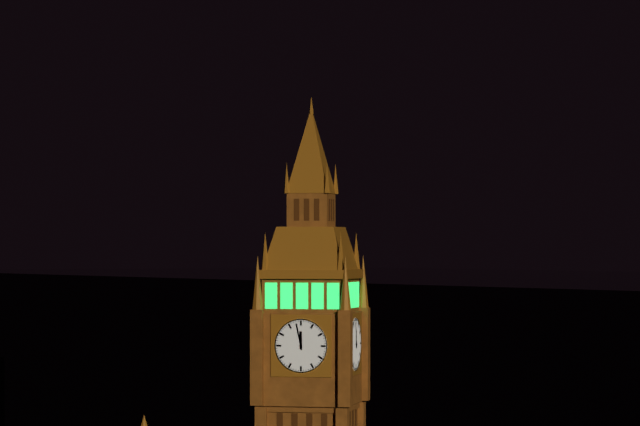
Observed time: 11:58
